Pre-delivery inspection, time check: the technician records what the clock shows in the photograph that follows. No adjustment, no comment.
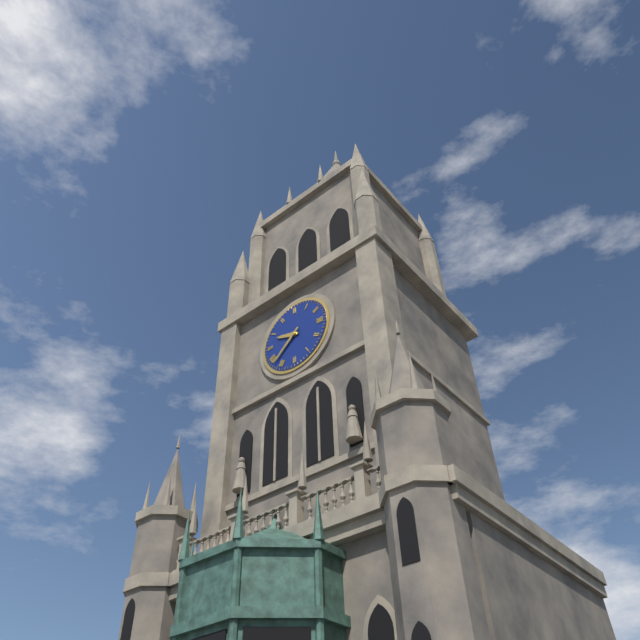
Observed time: 9:38
